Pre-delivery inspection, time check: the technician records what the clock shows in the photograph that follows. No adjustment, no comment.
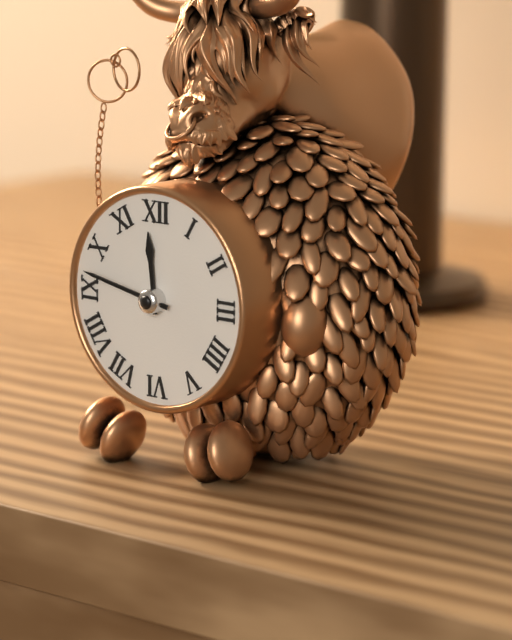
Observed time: 11:47
